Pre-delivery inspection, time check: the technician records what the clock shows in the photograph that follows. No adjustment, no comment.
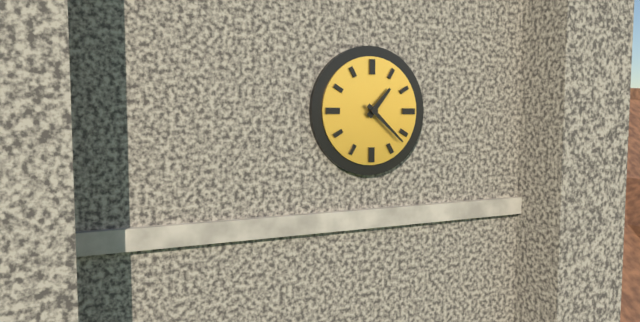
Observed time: 1:22
